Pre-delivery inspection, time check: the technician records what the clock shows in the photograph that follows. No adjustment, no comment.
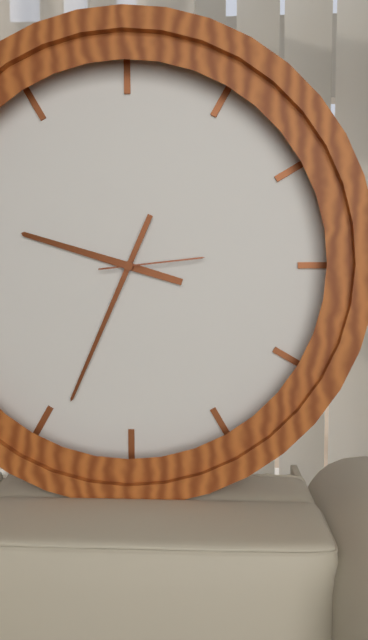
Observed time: 9:34:14
